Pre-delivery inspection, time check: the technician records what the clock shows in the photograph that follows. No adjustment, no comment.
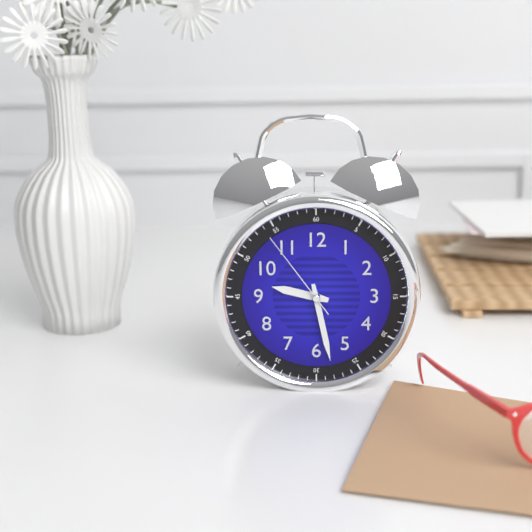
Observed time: 9:28:54
